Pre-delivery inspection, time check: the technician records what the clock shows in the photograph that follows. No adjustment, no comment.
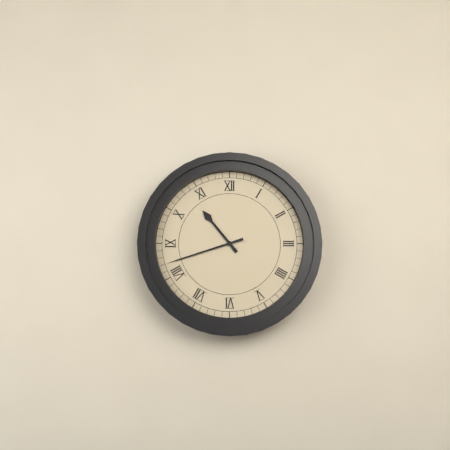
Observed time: 10:42
